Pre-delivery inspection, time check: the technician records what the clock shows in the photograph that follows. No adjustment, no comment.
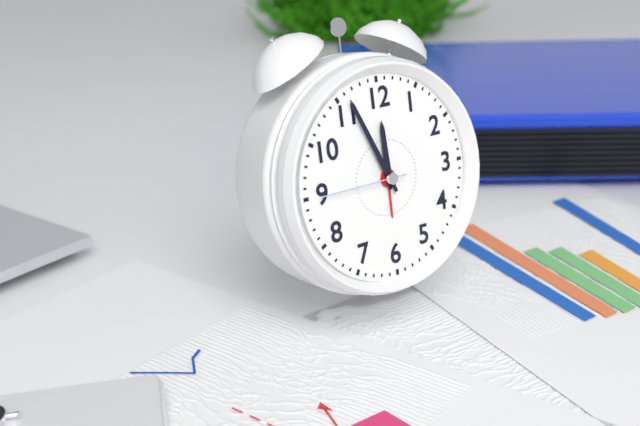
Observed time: 11:56:45
